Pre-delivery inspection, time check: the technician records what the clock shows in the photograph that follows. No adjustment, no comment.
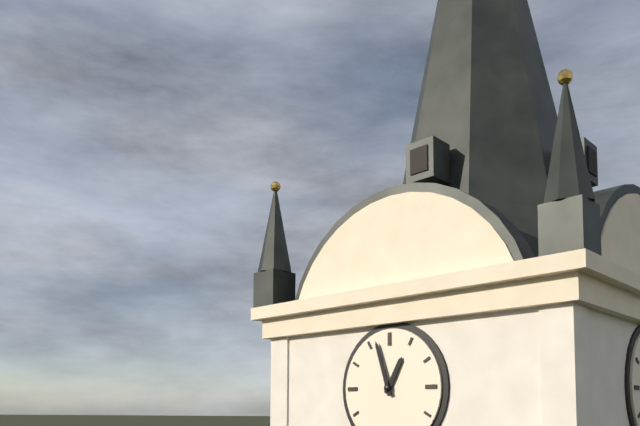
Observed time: 12:57
